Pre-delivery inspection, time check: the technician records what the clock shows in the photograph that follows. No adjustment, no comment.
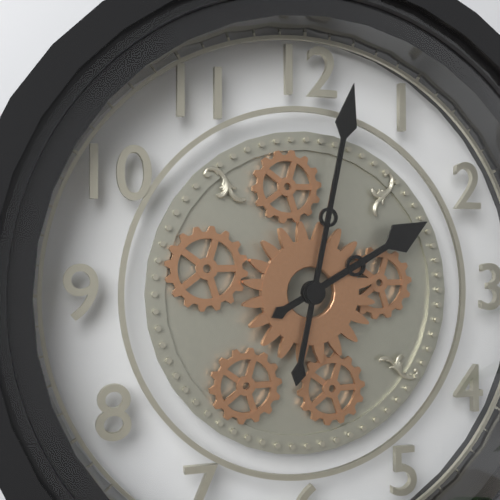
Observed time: 2:02
